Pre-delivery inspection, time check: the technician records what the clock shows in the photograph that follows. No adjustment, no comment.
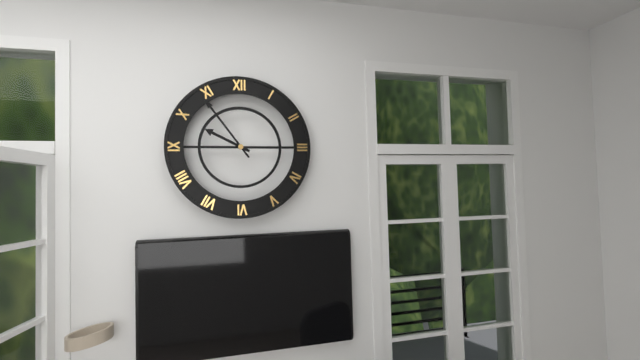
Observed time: 9:54
